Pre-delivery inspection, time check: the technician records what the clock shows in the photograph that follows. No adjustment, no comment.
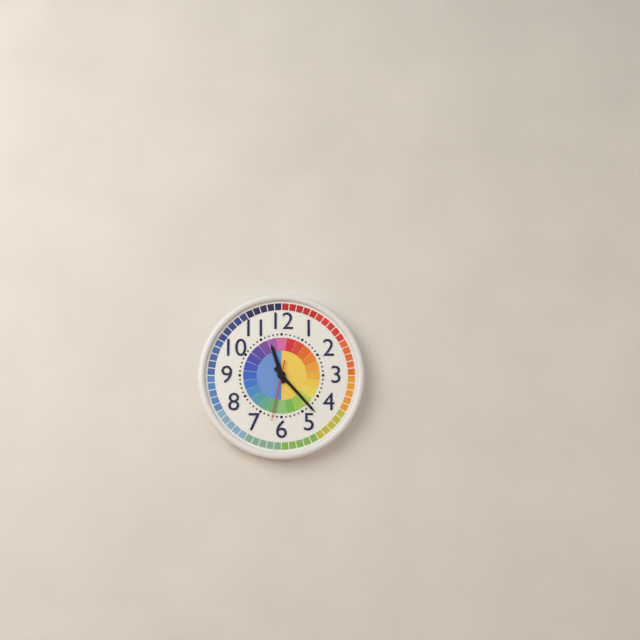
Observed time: 11:23:32
